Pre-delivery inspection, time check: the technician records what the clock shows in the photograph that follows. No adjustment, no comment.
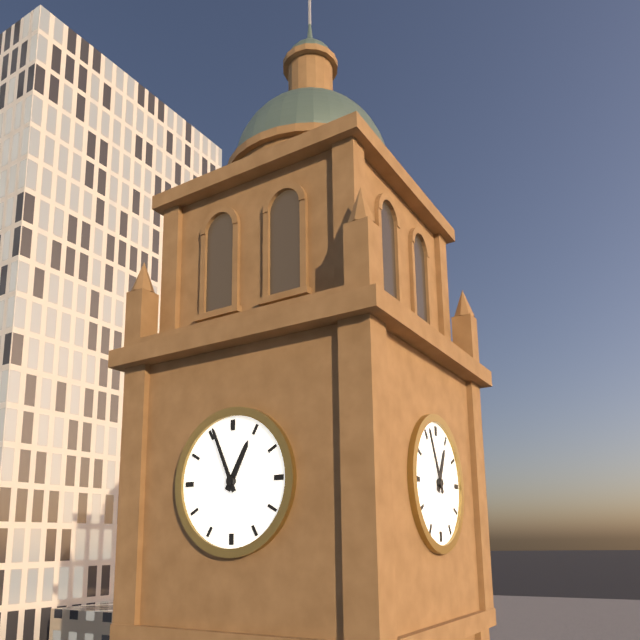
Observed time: 12:56
